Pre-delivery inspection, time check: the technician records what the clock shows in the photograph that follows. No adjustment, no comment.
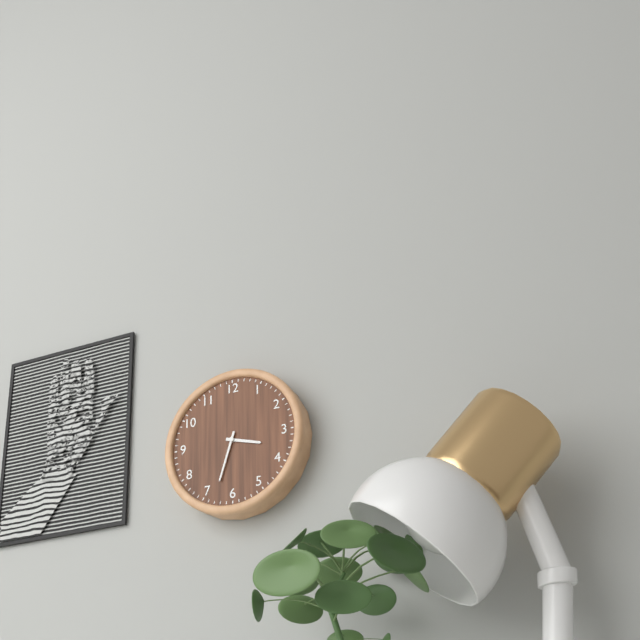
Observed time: 3:33
